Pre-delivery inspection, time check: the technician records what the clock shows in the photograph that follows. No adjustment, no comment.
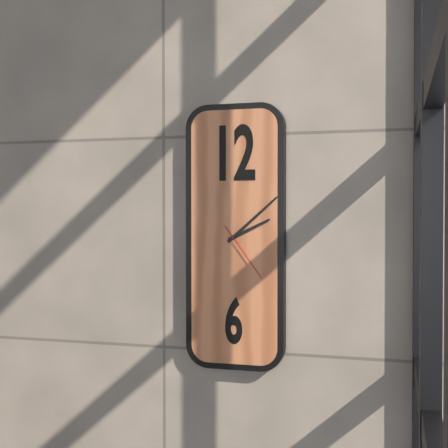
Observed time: 2:08:24
